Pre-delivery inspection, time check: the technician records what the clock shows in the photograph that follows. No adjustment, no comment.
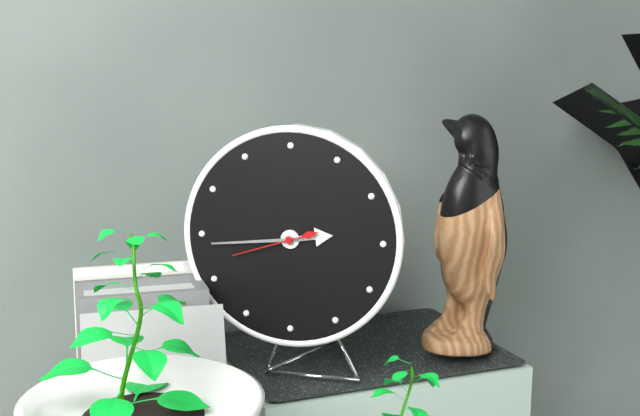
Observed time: 2:44:42
